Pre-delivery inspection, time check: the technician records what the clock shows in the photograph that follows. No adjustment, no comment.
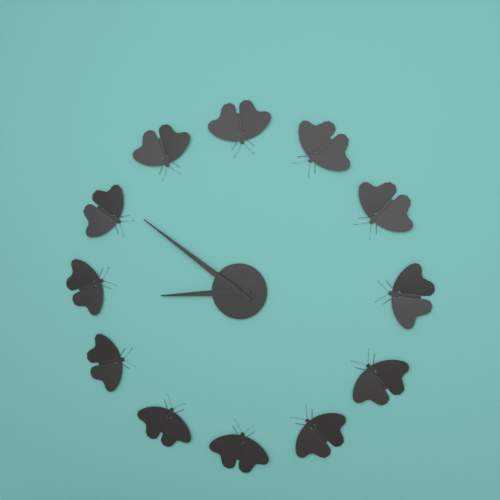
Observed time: 8:51
